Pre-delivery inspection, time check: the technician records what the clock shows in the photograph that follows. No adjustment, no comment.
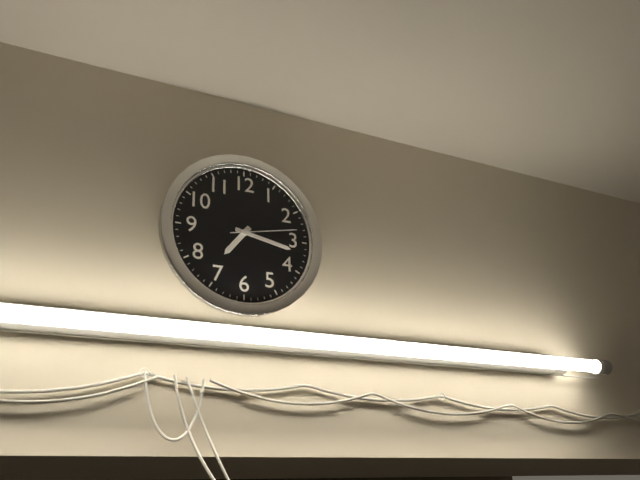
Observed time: 7:17:13
